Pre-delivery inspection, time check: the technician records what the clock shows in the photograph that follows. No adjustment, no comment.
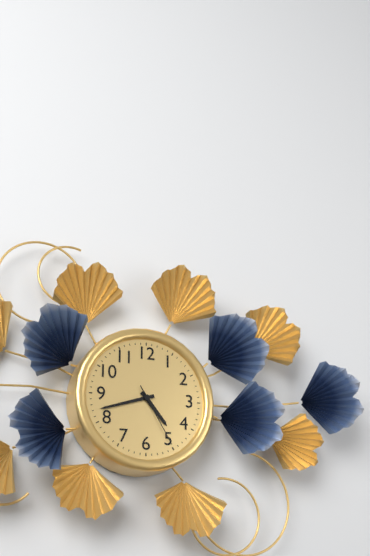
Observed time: 4:42:25
